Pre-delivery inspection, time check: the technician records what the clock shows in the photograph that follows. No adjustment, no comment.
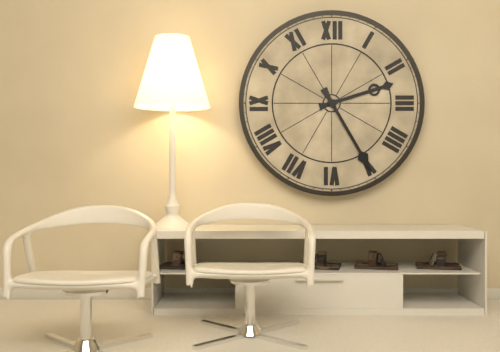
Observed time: 2:25
